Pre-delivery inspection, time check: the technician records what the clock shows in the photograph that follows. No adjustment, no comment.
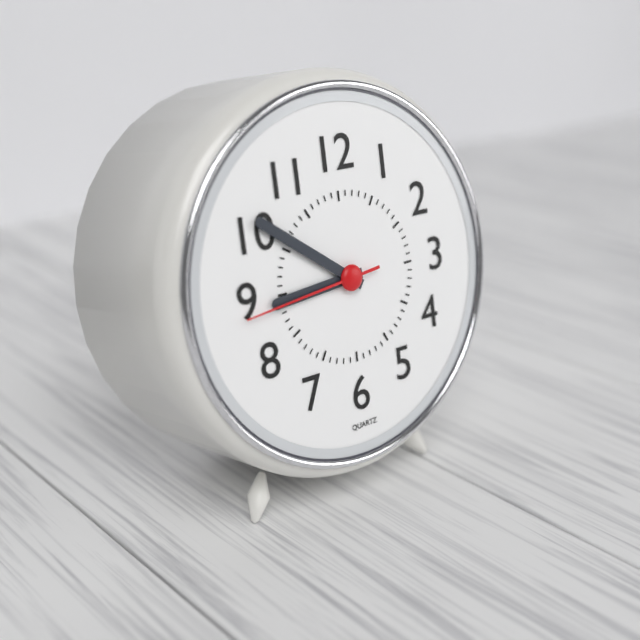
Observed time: 8:51:44
